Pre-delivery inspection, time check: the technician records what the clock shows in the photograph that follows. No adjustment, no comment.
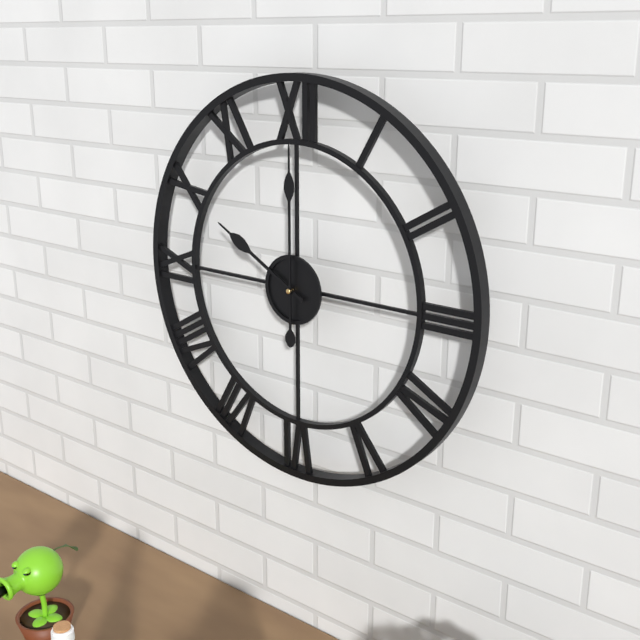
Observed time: 10:00
